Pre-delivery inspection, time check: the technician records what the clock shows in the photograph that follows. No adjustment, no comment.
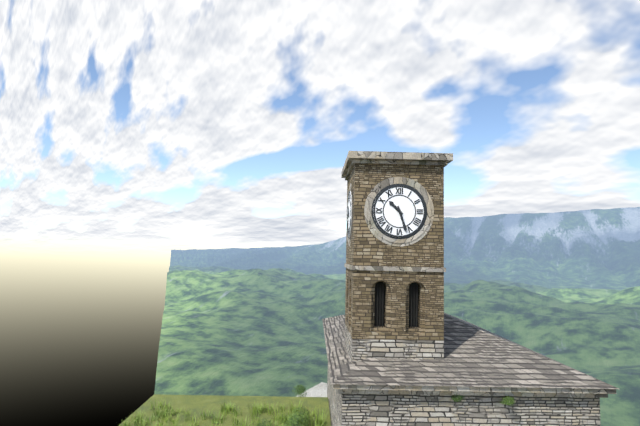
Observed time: 10:27
